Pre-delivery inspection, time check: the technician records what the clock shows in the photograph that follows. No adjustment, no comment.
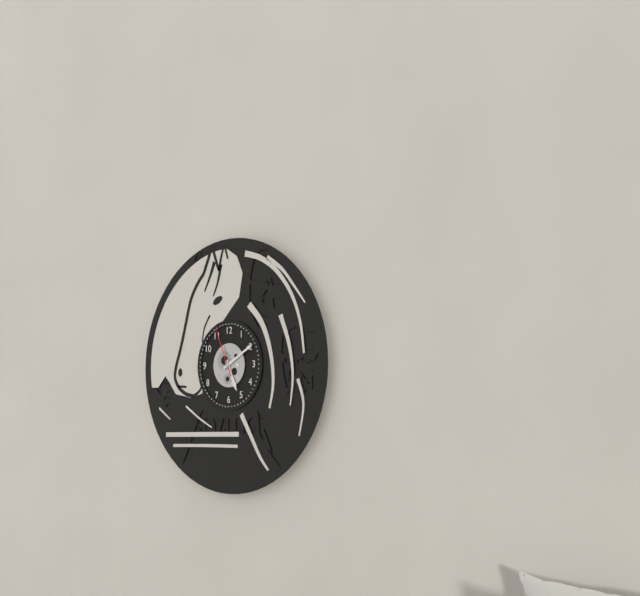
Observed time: 5:10
